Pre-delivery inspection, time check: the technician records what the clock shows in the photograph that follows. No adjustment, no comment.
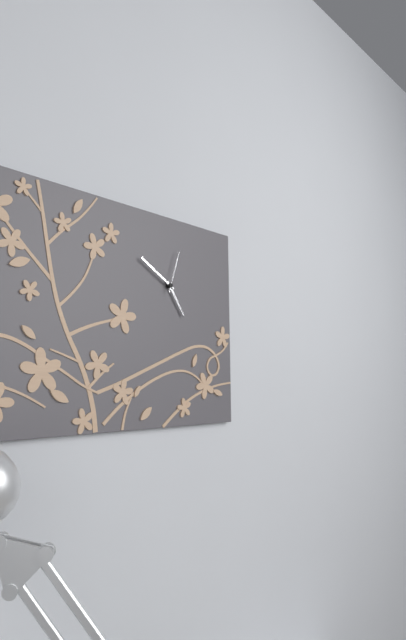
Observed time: 4:50
